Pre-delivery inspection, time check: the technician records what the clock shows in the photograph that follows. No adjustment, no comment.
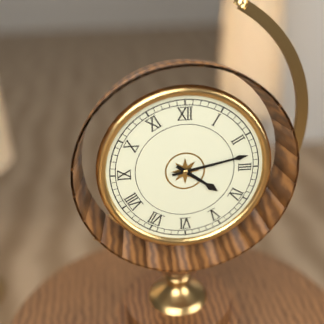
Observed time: 4:13
